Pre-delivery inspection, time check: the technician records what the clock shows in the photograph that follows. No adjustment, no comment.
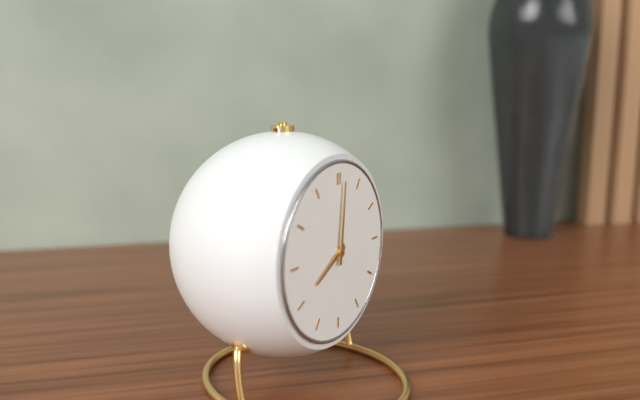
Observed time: 8:01
